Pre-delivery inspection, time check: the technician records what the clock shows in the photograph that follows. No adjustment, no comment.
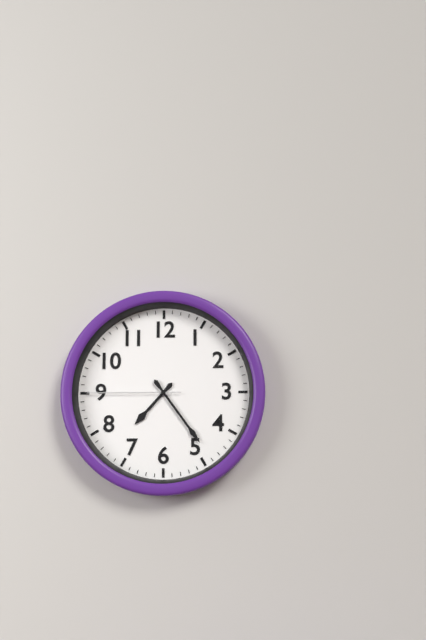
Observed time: 7:24:45
